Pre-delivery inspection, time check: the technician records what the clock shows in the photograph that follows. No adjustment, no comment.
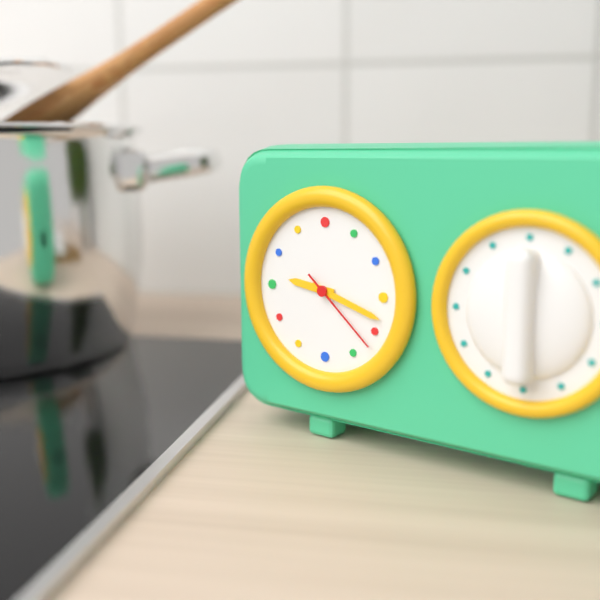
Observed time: 9:18:22
